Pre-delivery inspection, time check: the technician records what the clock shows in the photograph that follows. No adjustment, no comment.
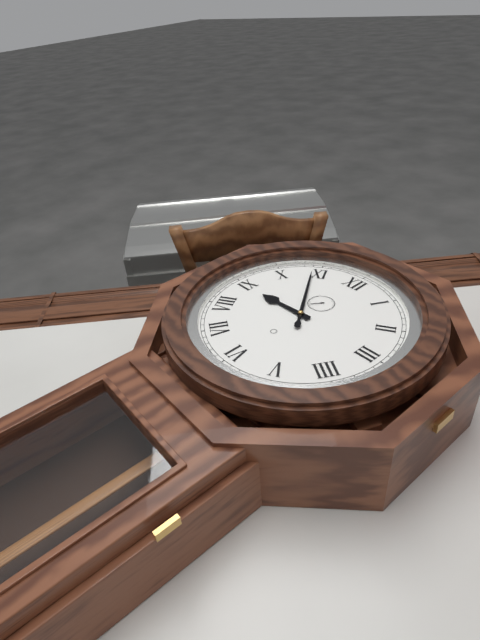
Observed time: 8:54
